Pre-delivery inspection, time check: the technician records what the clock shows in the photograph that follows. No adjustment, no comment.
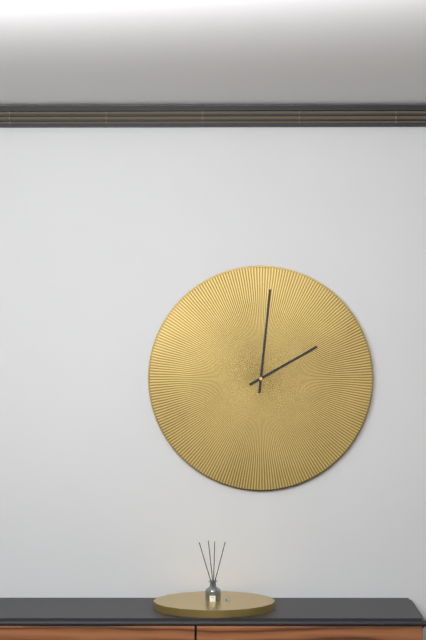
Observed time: 2:01
